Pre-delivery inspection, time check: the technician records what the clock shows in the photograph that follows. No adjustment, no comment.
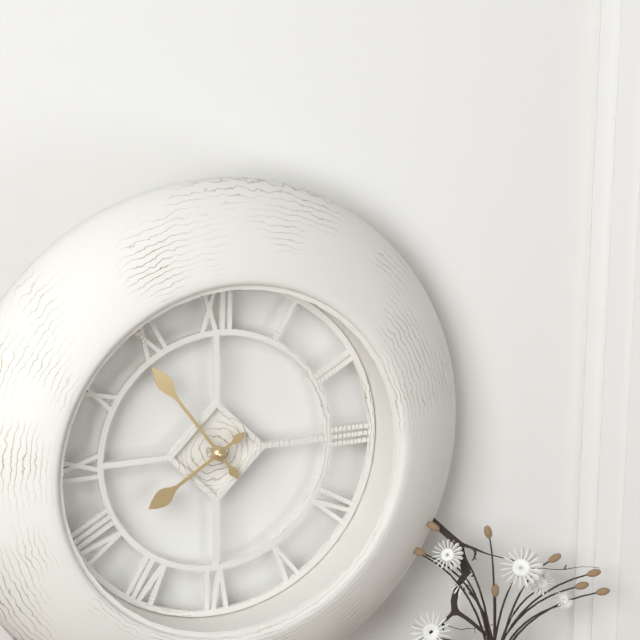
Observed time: 7:54
